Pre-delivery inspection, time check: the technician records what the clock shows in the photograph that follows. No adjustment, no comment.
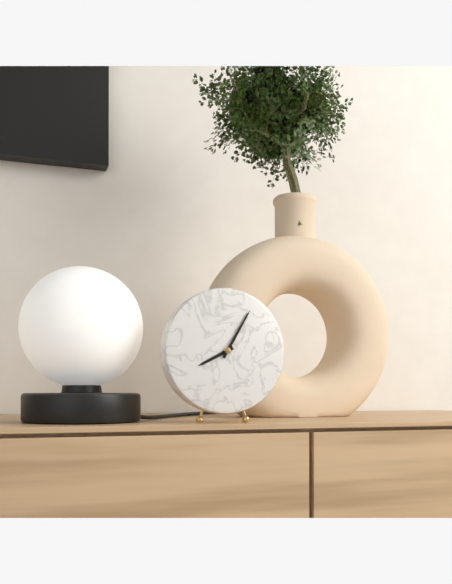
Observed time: 8:05
